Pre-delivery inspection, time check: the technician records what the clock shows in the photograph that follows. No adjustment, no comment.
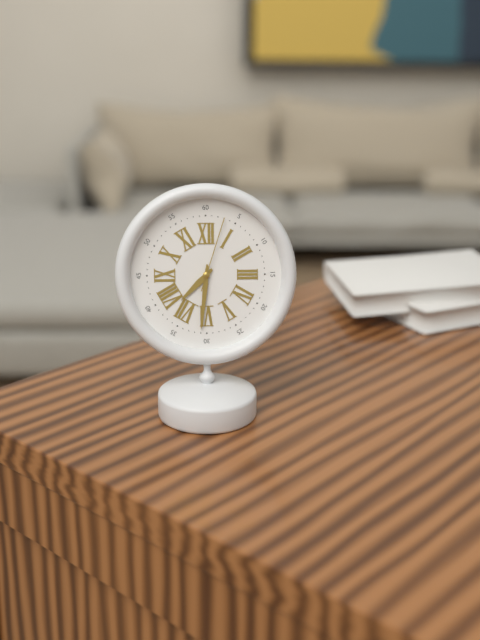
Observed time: 7:31:03
